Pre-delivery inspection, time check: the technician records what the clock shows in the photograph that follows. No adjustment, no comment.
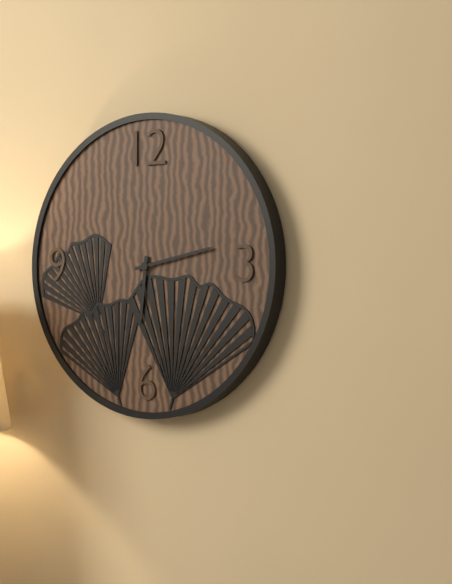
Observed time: 6:13
